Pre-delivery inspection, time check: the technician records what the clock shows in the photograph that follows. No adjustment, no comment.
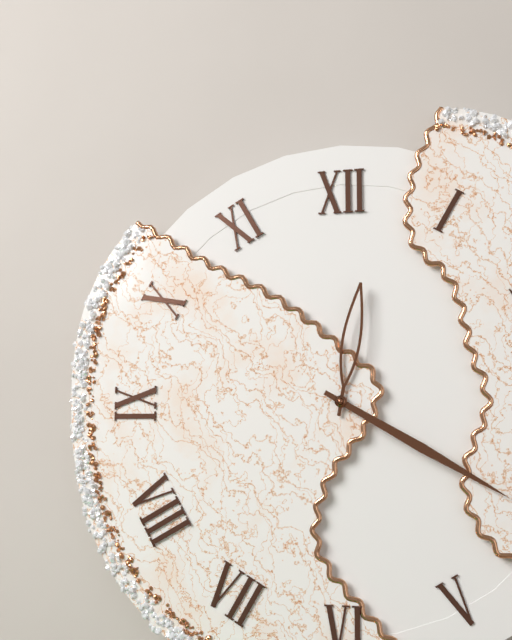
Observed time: 12:20
